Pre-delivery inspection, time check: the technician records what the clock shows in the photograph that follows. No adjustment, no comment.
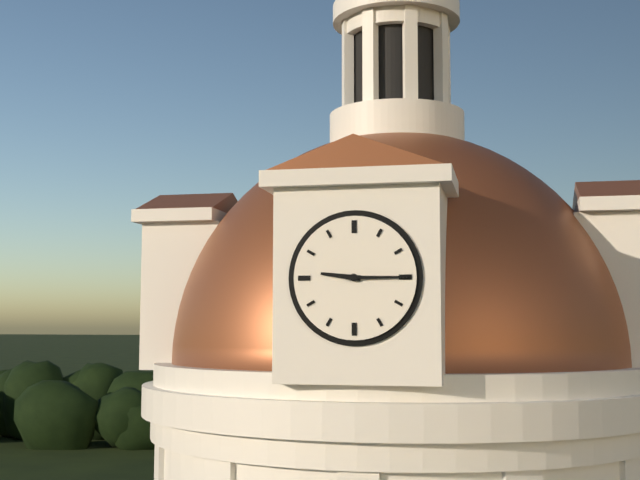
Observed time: 9:15
